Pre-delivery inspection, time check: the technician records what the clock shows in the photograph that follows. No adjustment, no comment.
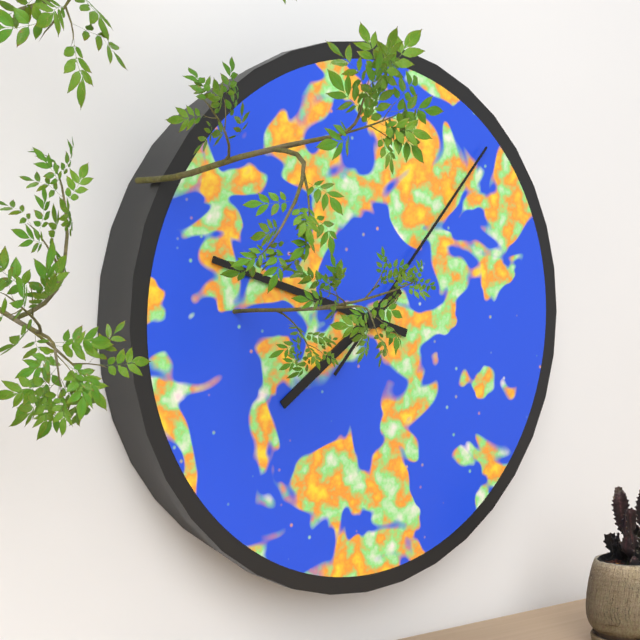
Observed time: 7:48:07
